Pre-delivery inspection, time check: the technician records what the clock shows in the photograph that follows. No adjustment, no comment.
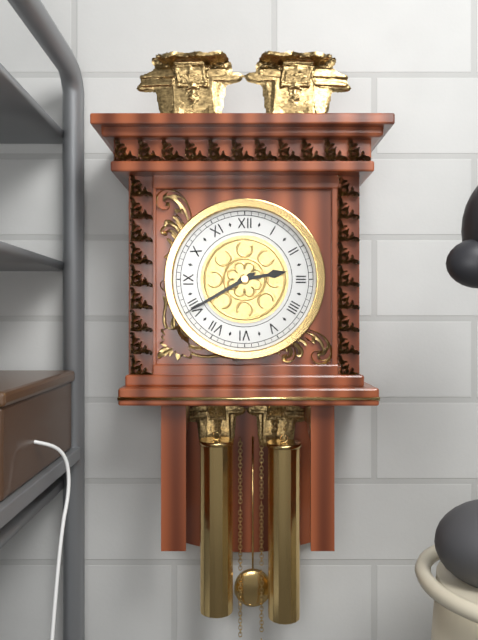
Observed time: 2:40
